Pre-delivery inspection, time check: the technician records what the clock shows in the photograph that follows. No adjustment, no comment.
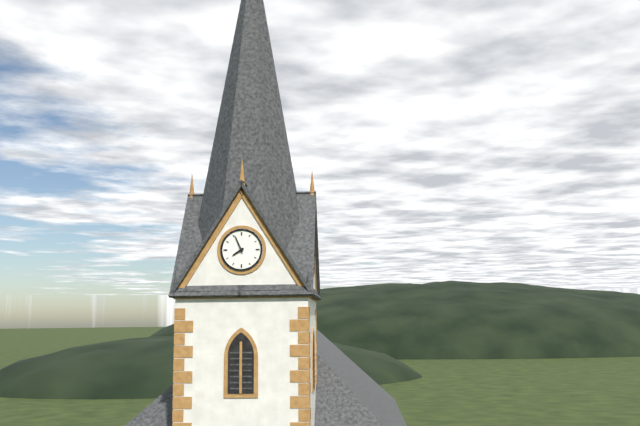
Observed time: 7:56
